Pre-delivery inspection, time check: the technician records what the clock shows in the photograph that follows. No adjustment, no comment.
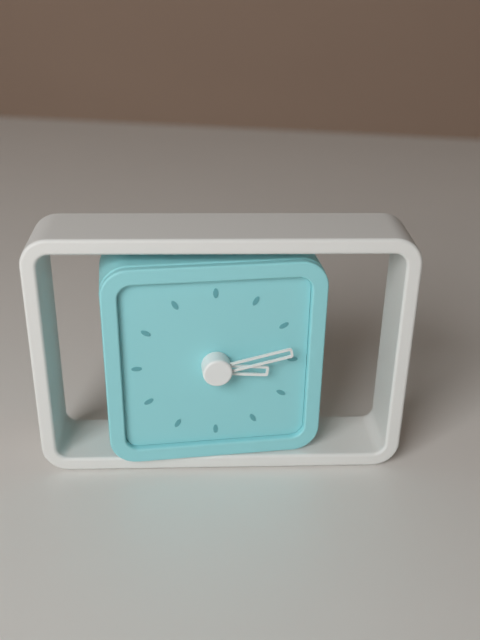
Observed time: 3:13
